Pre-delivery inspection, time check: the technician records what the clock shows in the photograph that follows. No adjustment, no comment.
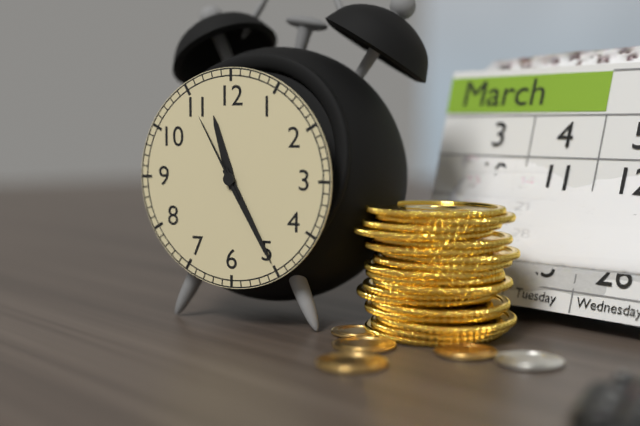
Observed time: 11:25:55
